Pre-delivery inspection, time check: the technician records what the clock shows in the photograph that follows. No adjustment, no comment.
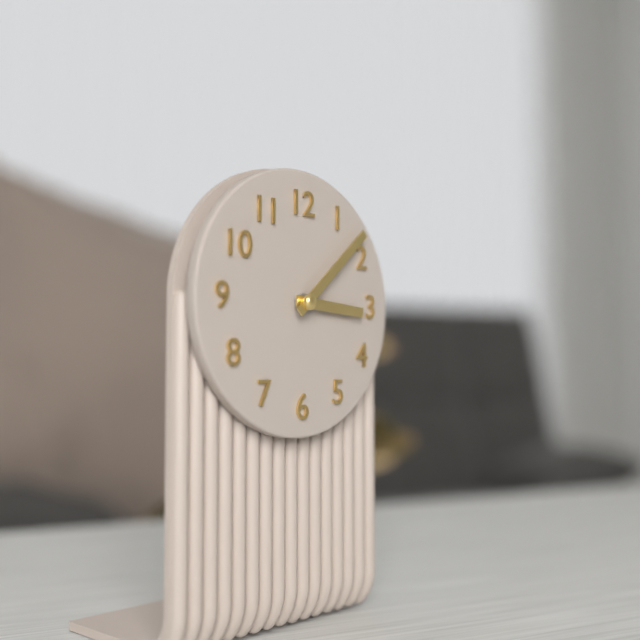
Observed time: 3:08
